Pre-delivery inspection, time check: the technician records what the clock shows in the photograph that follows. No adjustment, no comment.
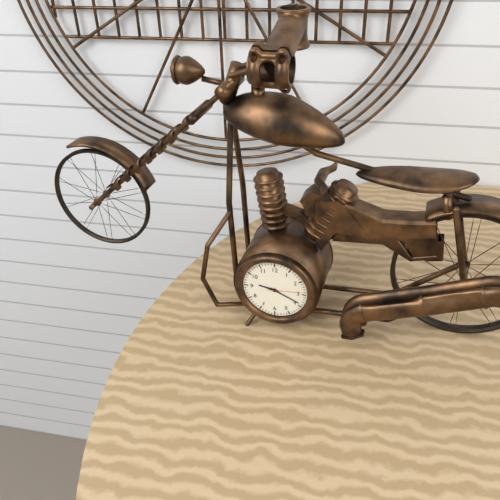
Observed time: 9:19
